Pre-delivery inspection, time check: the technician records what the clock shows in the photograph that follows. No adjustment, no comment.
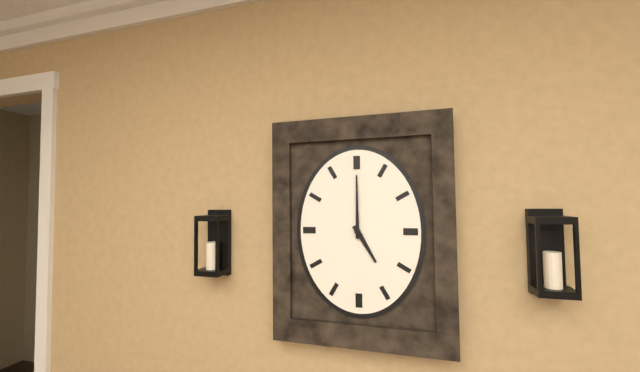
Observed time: 5:00
